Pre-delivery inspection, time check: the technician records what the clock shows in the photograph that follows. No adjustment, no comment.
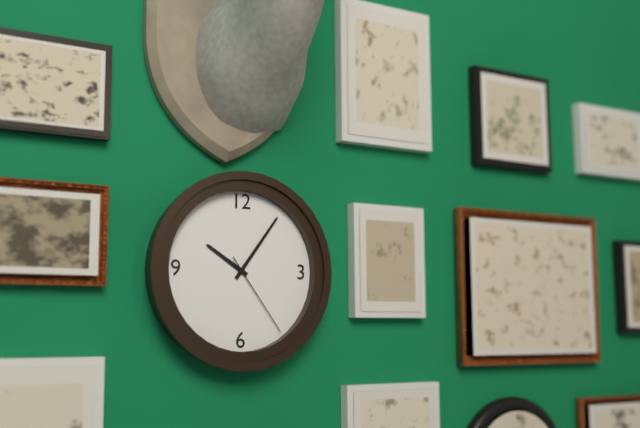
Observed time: 10:06:24
